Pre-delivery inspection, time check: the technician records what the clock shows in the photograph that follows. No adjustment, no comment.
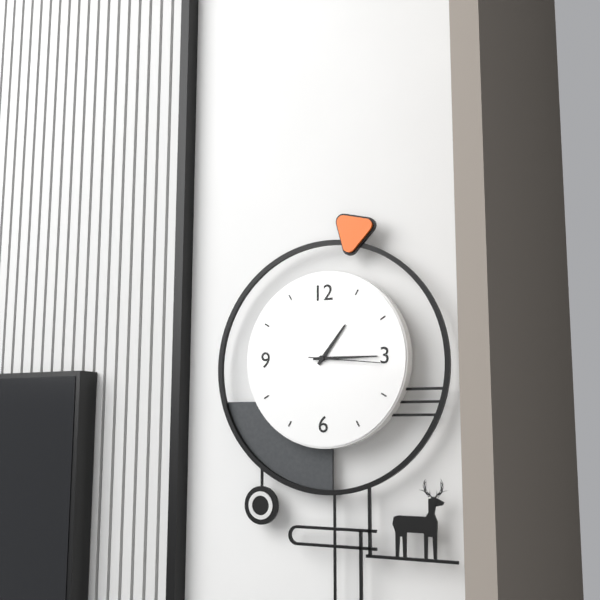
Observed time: 1:15:16
